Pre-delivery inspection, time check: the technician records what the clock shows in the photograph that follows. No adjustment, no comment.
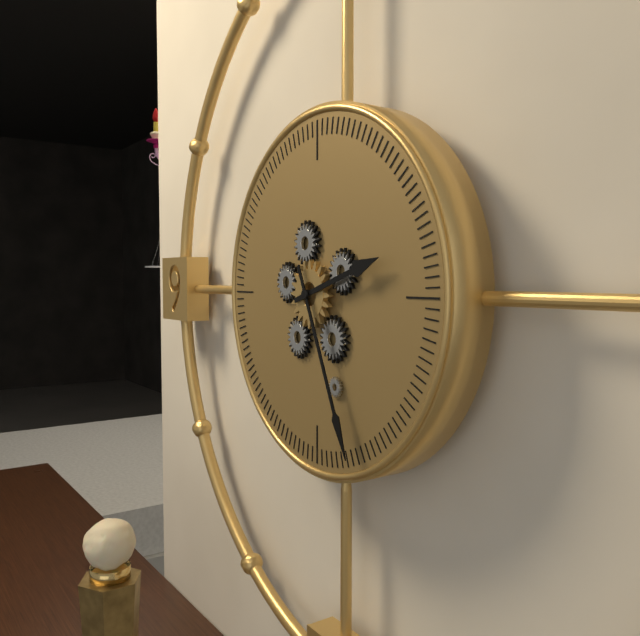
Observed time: 2:26
